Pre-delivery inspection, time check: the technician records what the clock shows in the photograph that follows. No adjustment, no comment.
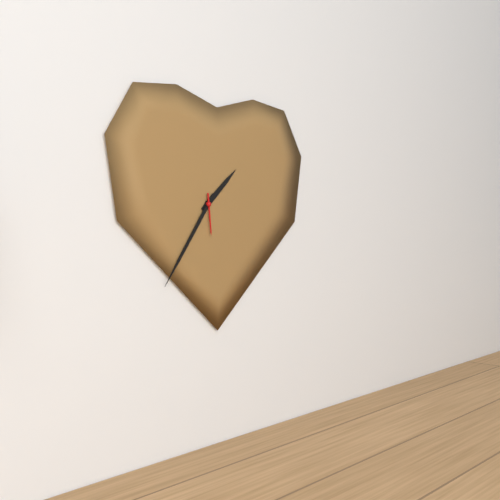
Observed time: 1:36
